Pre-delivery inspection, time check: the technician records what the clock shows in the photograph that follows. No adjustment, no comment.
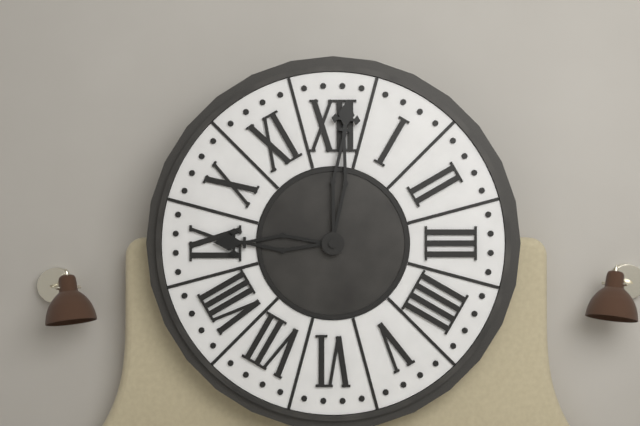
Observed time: 9:01
